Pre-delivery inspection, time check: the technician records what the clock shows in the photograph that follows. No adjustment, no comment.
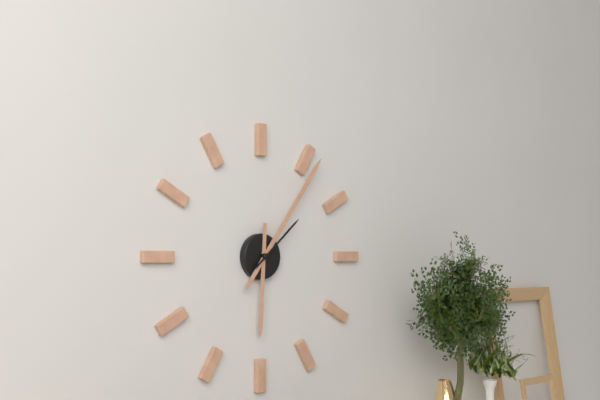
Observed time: 6:06:08
